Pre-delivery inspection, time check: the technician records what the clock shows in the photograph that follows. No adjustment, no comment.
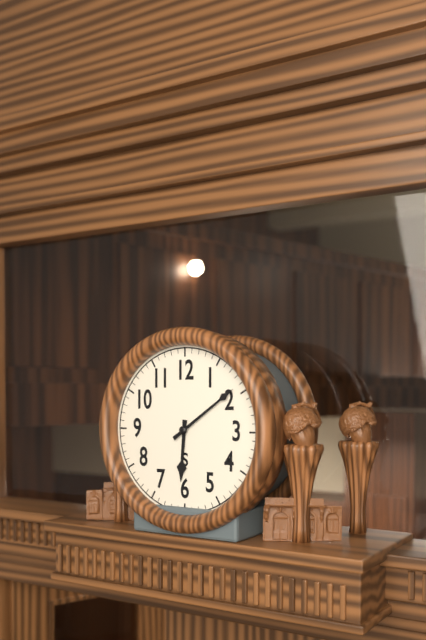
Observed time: 6:09
